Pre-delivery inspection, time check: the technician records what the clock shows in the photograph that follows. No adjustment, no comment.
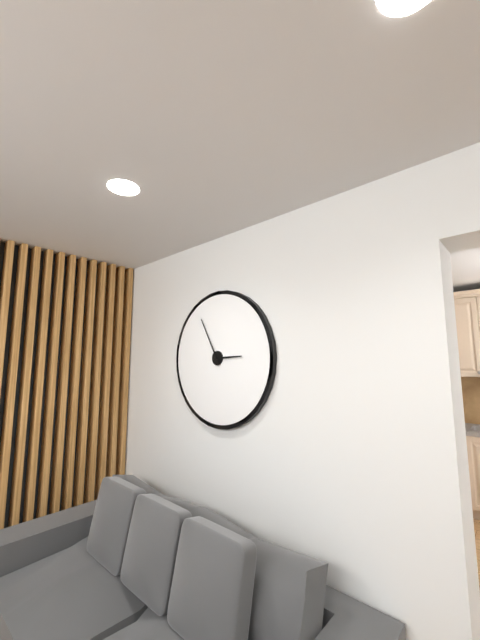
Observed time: 2:55
